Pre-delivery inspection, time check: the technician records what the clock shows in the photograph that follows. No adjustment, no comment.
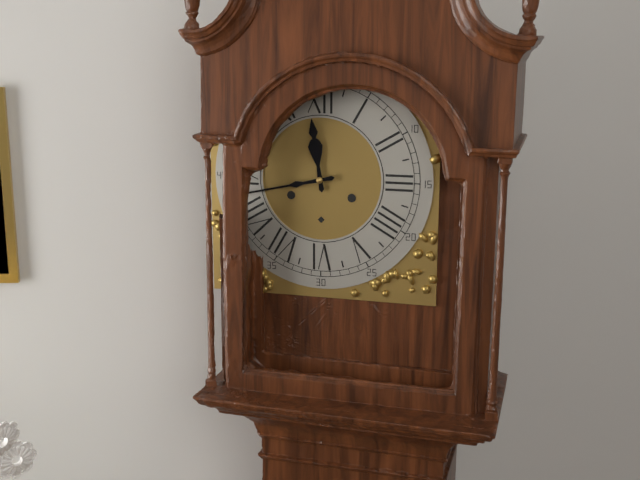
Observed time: 11:43
